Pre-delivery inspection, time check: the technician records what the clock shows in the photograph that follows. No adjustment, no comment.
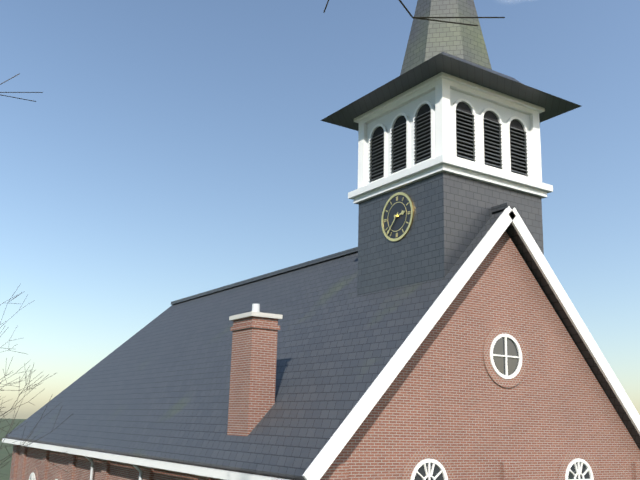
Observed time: 2:37
